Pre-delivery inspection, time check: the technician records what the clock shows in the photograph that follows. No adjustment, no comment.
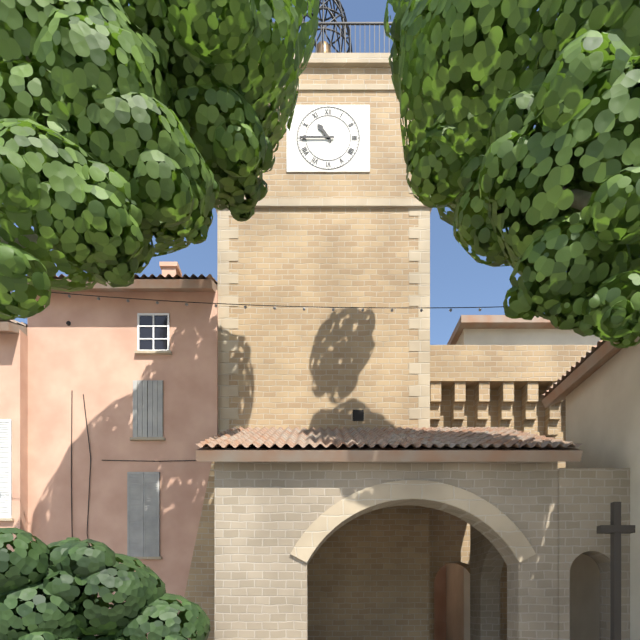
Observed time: 10:45
